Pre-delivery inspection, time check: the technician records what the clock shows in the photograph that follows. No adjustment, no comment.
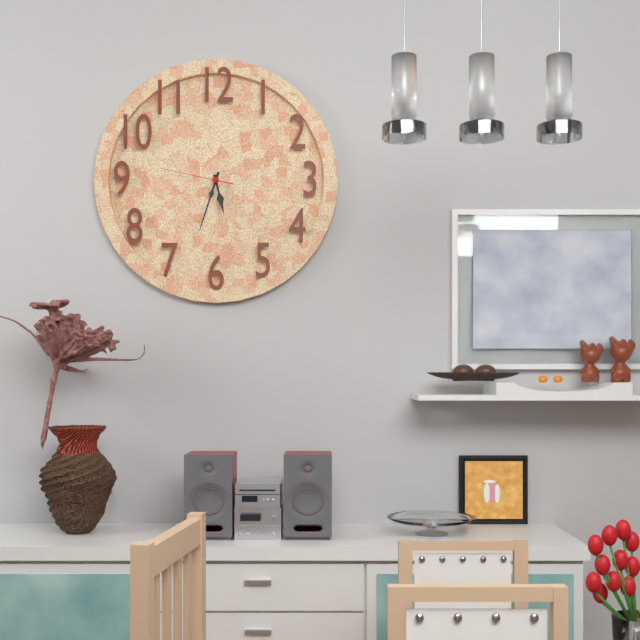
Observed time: 5:33:47
